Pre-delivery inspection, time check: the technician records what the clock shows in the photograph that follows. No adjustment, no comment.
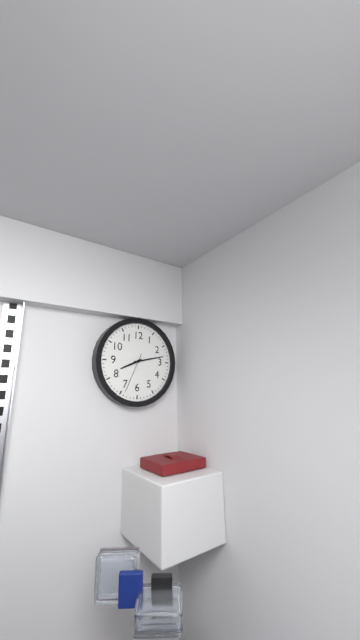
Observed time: 8:13
